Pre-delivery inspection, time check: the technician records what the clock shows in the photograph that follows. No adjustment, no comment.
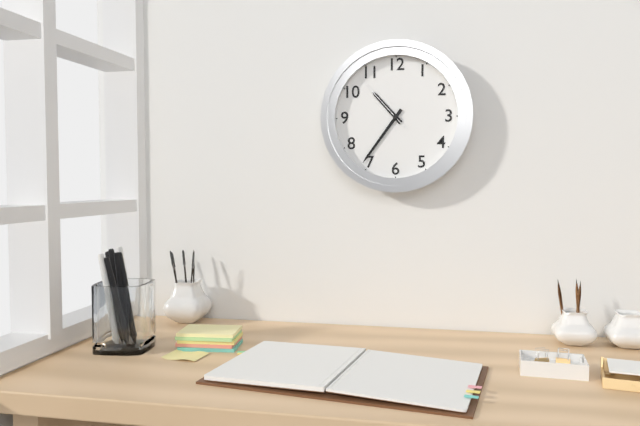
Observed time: 10:36:53
